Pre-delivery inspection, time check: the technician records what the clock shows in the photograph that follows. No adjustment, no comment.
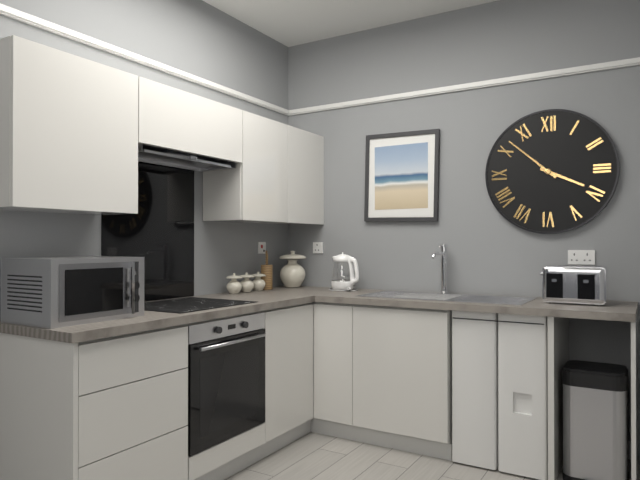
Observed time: 3:52
